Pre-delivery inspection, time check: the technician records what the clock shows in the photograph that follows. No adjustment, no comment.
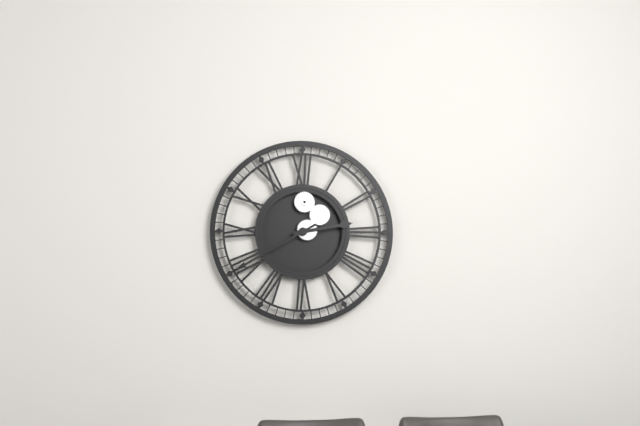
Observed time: 2:40
